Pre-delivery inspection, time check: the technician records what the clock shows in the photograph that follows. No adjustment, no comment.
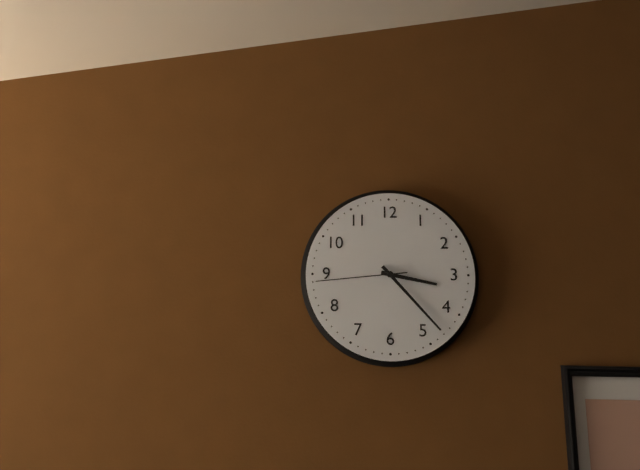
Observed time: 3:23:44
